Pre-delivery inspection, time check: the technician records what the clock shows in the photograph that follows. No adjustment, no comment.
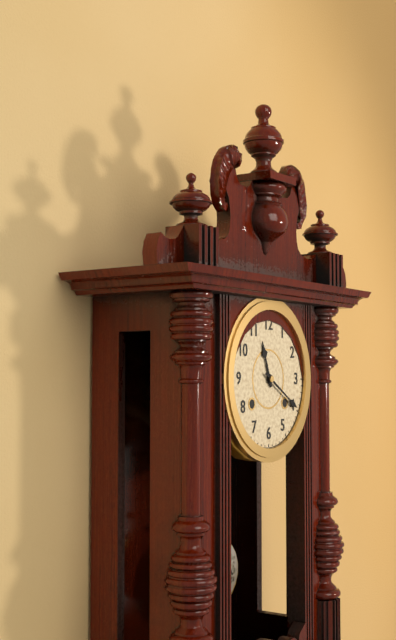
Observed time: 11:20
